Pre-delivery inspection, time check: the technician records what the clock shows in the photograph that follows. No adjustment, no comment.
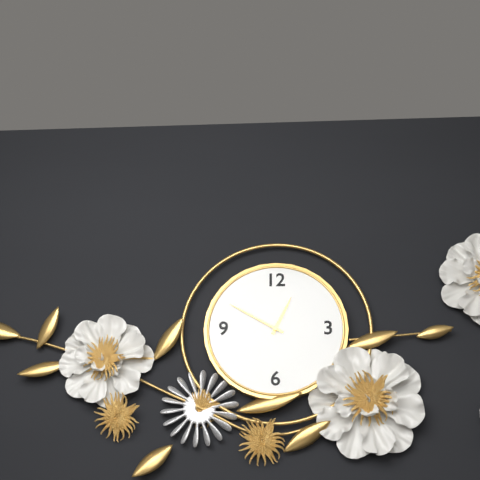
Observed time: 12:50
